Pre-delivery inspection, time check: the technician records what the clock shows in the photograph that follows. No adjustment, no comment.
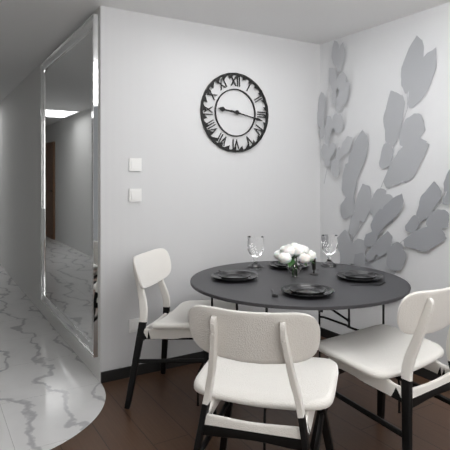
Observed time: 9:17
